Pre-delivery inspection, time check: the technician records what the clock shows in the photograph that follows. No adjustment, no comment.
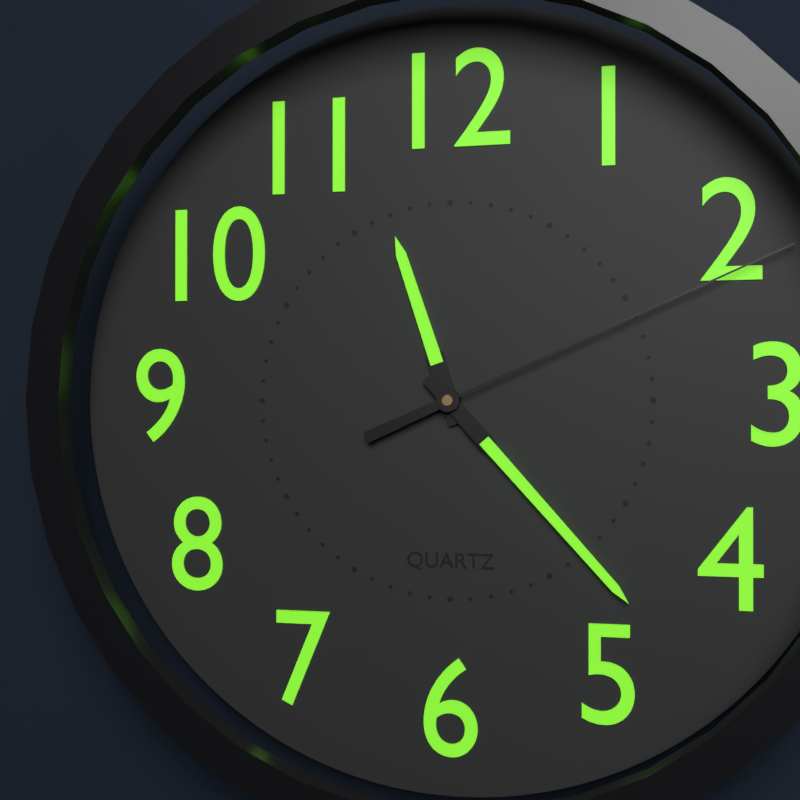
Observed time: 11:23:11
